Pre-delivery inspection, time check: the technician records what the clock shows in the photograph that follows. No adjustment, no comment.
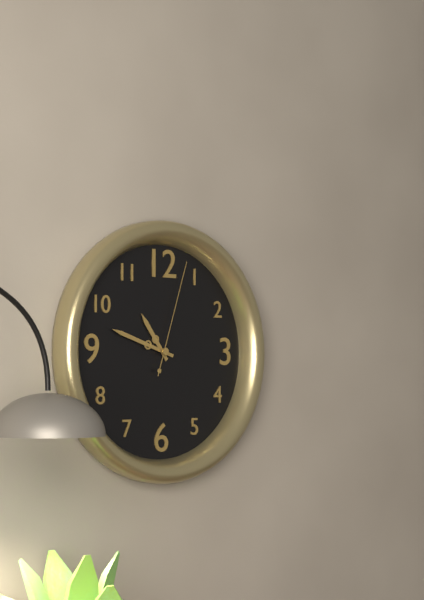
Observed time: 10:48:03
